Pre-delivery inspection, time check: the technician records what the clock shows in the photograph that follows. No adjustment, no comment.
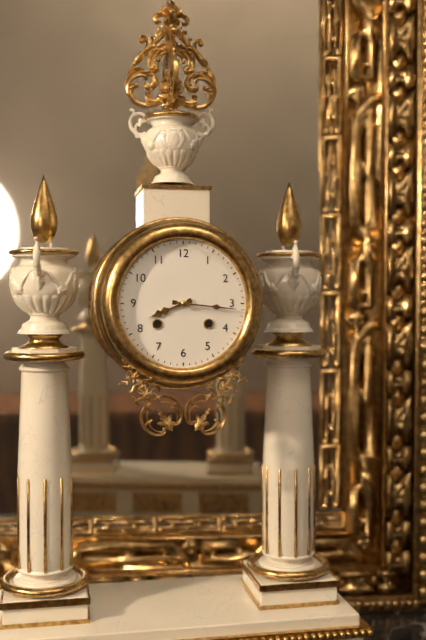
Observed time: 8:16
